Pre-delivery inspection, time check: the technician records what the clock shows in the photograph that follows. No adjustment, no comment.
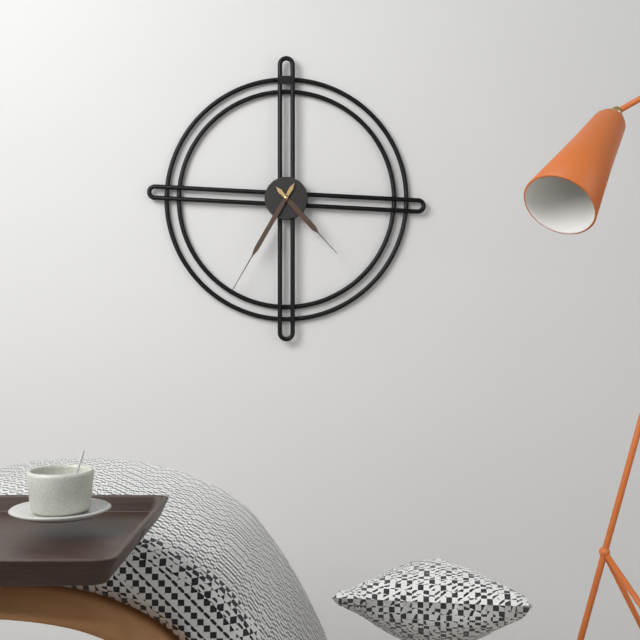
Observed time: 4:35
